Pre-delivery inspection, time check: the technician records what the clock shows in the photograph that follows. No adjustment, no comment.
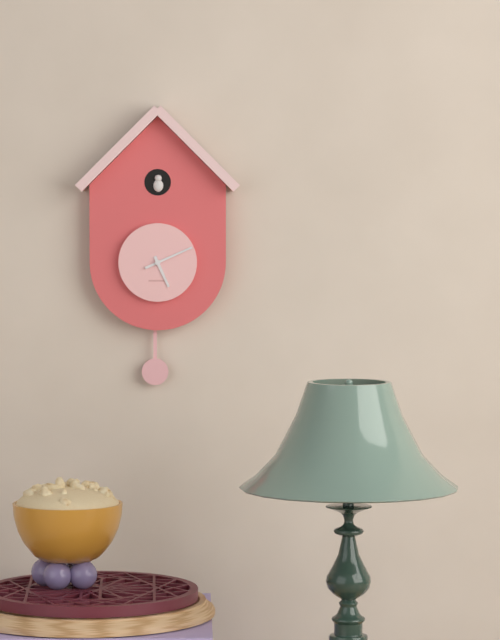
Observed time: 5:11
